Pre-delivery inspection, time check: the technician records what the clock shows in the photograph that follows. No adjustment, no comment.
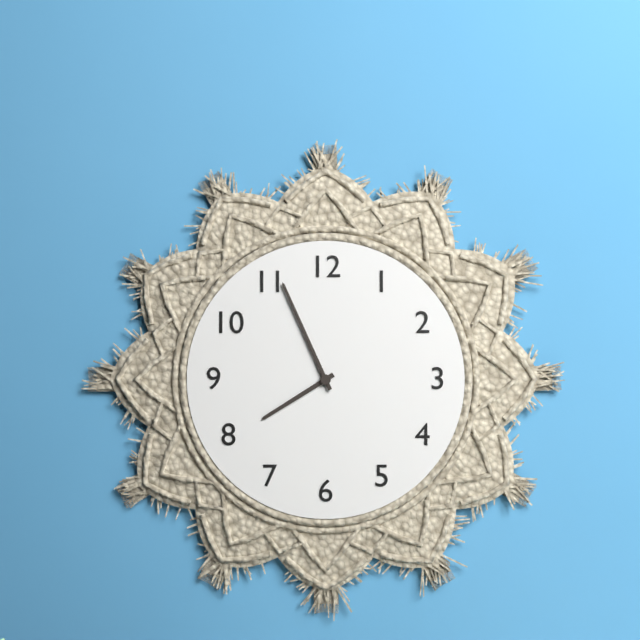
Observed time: 7:56
